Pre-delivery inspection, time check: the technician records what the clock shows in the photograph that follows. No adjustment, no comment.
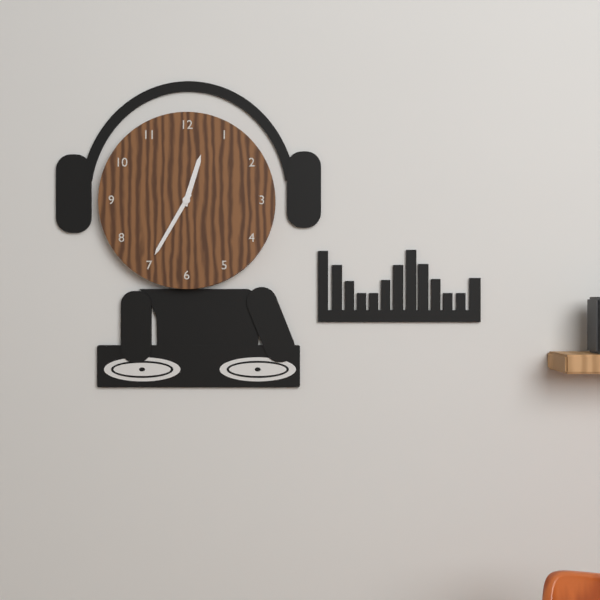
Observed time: 12:35
